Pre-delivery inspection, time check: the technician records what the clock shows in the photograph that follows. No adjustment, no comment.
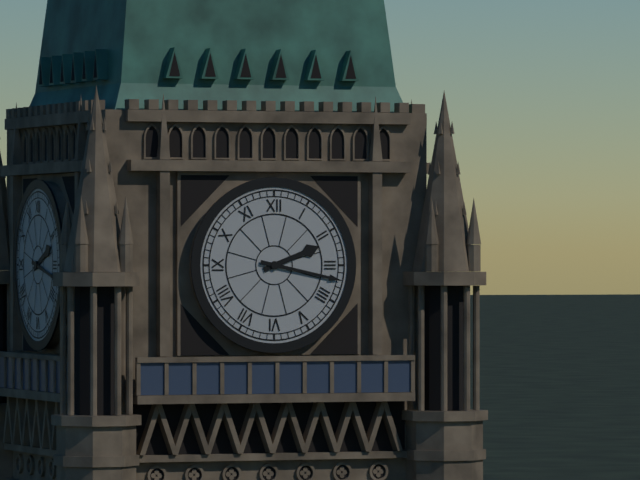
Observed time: 2:17
